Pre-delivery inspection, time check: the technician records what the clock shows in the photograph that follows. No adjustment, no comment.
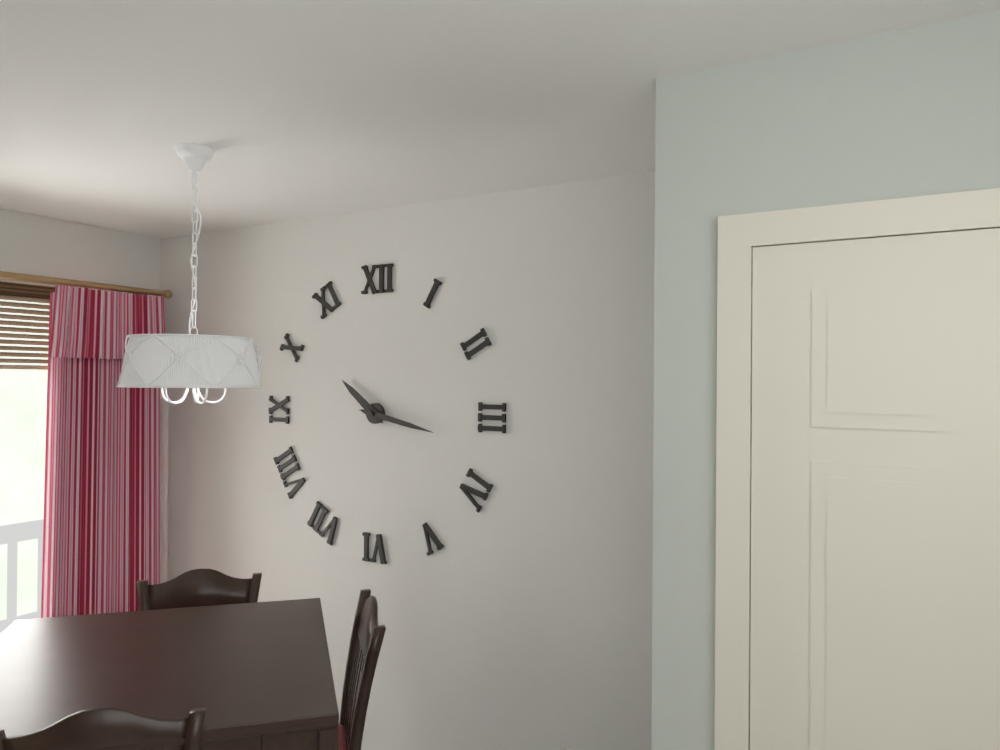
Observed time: 10:17
